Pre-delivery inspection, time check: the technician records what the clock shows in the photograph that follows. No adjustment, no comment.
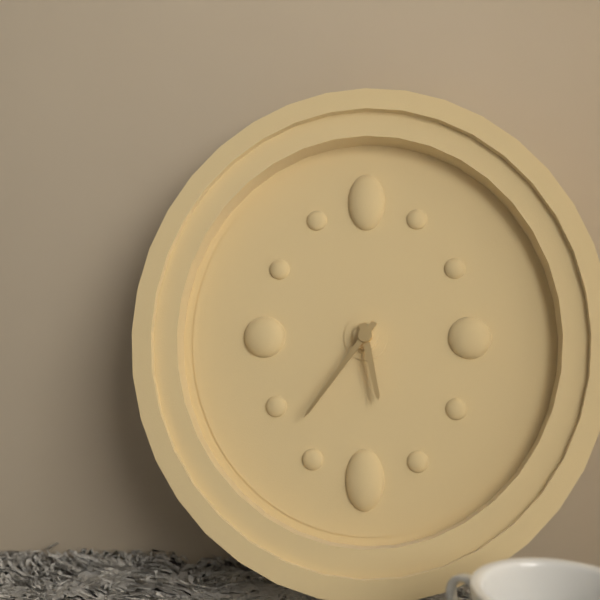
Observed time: 5:36
